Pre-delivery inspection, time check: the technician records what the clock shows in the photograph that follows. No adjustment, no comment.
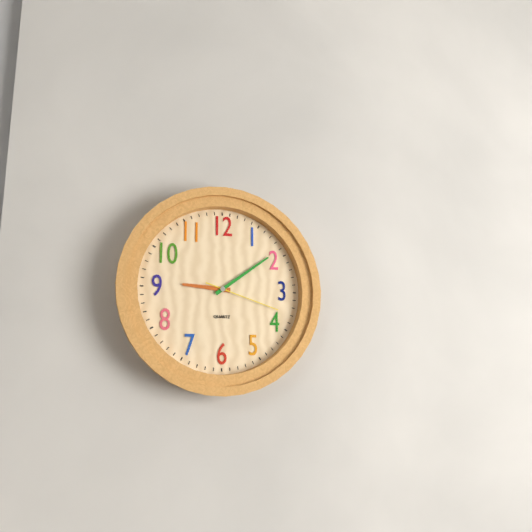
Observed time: 9:09:18
